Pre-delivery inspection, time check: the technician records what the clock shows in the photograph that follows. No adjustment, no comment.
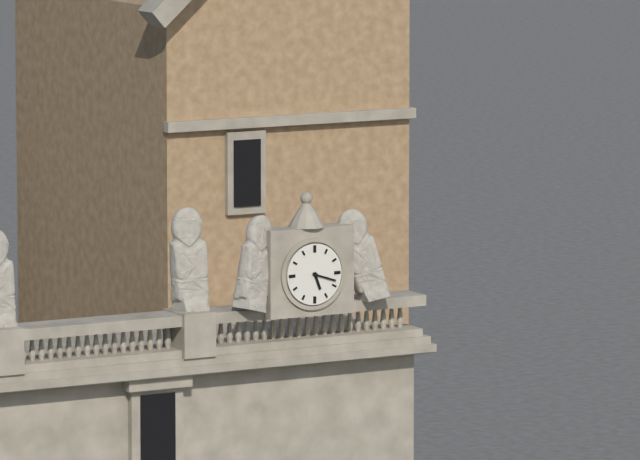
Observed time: 5:18
